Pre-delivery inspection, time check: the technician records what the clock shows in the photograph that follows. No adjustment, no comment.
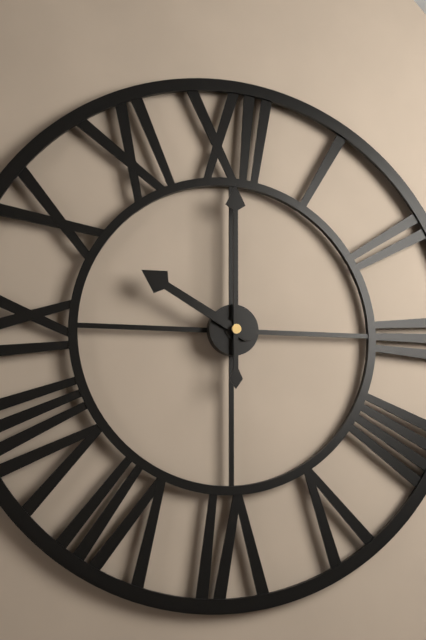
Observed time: 10:00
